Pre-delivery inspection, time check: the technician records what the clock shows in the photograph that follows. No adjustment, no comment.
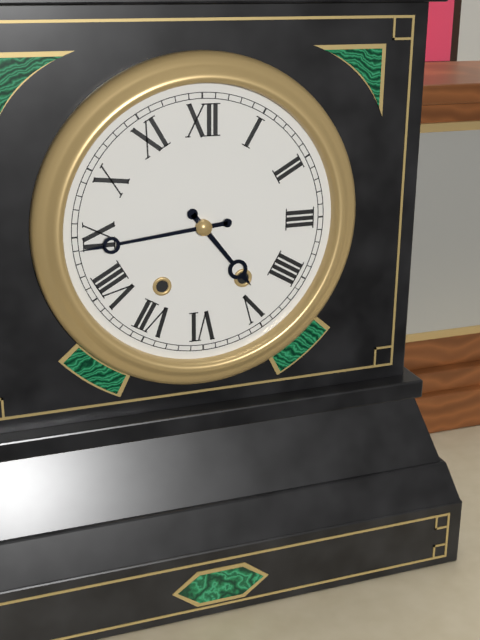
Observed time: 4:44
